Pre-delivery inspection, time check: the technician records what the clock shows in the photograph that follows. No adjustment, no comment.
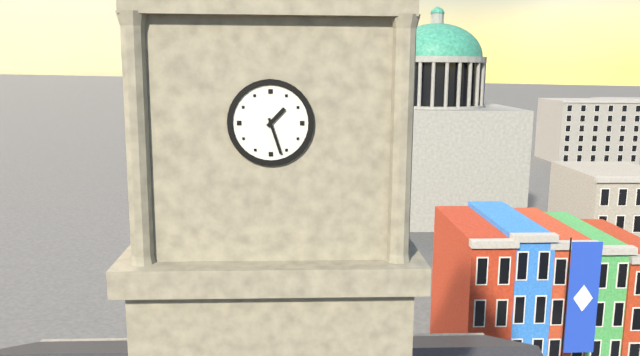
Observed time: 1:27
